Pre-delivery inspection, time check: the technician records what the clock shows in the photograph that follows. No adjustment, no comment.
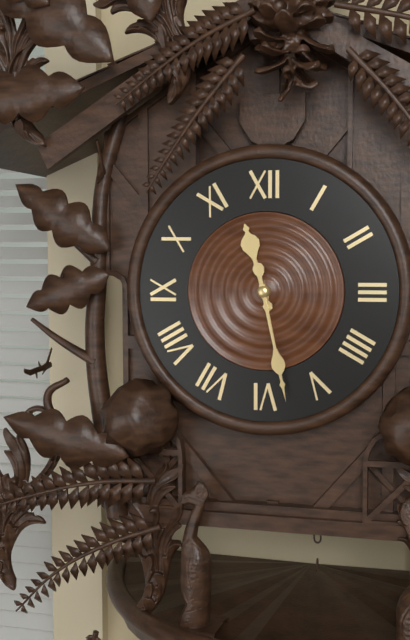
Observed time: 11:28
